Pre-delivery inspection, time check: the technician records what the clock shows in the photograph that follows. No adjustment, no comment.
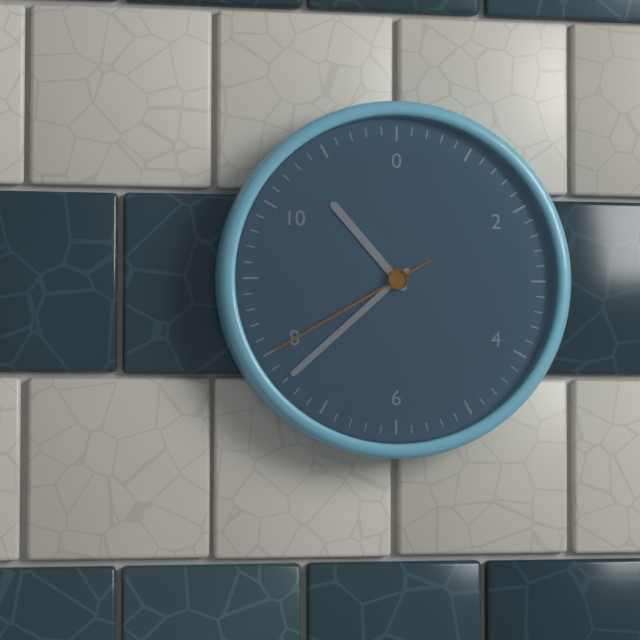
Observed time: 10:38:40
